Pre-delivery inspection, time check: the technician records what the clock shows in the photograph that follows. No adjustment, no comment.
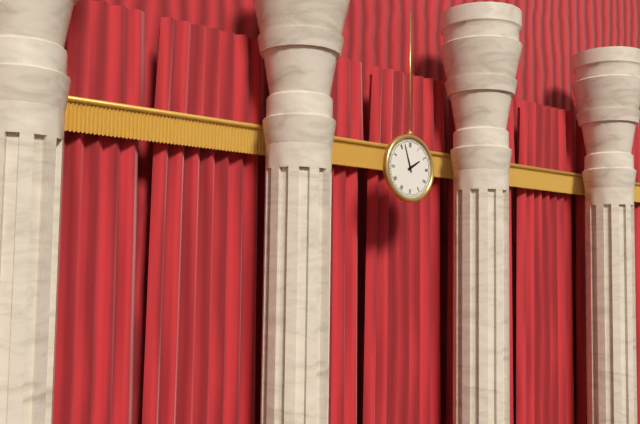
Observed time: 1:57
